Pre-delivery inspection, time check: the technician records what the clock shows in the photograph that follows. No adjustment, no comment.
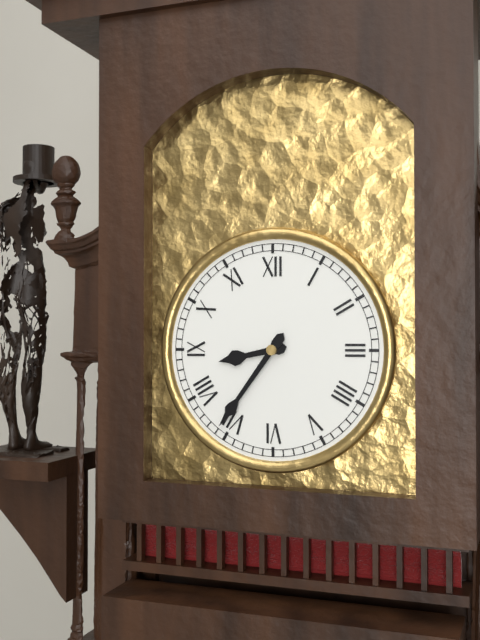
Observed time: 8:36
